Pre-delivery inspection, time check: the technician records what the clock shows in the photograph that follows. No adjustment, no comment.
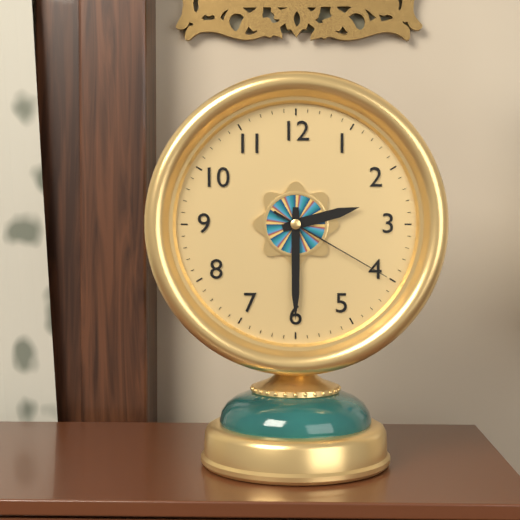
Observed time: 2:30:20
